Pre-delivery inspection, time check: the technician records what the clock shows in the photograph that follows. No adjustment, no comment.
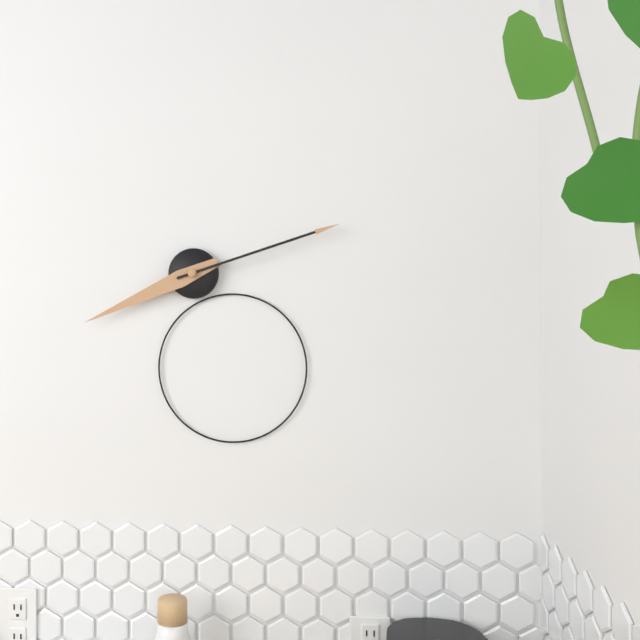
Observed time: 8:12
